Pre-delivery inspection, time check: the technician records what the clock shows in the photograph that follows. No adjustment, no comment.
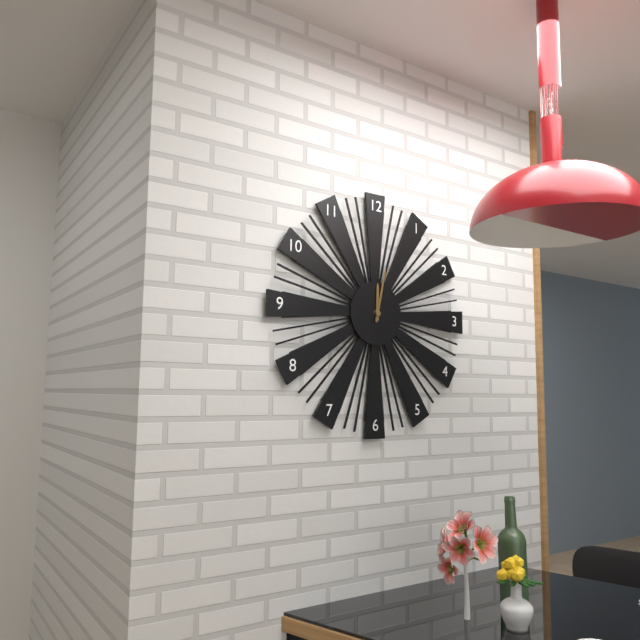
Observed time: 12:02
